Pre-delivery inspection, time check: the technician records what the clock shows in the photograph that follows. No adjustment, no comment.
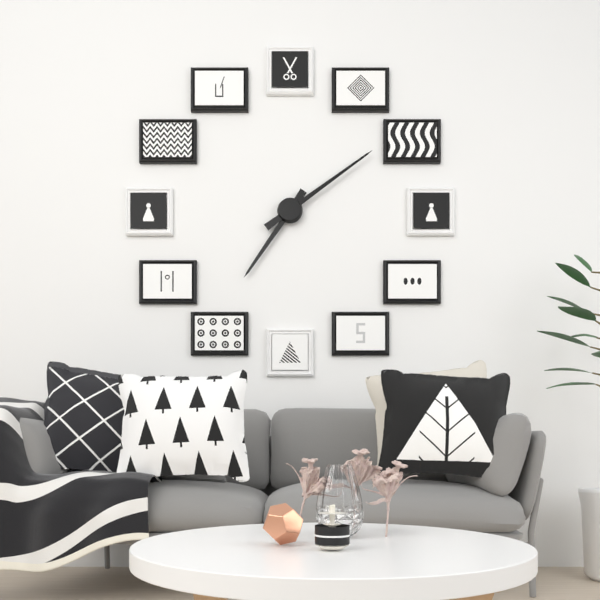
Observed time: 7:09
